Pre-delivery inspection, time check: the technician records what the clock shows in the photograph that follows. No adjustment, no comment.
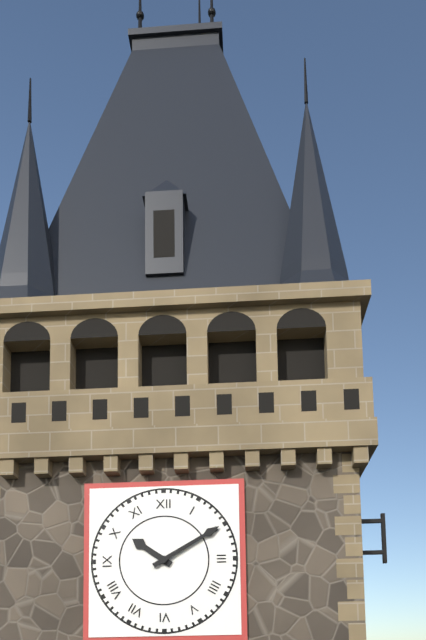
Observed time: 10:10
